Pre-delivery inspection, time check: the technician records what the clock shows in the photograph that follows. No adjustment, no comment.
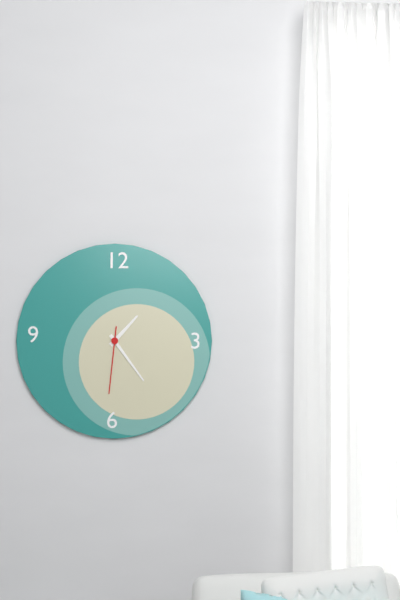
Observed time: 1:24:31
